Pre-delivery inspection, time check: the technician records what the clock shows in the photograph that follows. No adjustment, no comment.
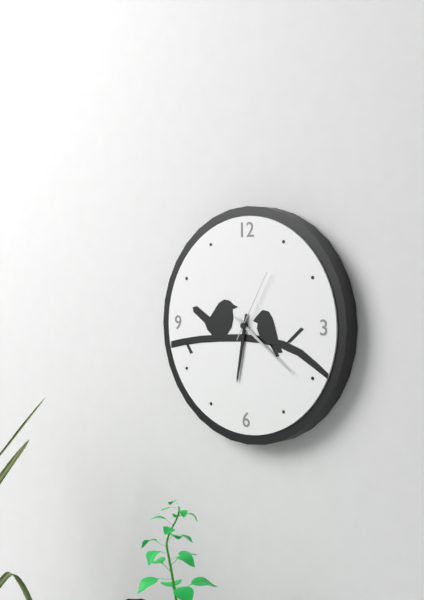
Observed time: 6:21:05
